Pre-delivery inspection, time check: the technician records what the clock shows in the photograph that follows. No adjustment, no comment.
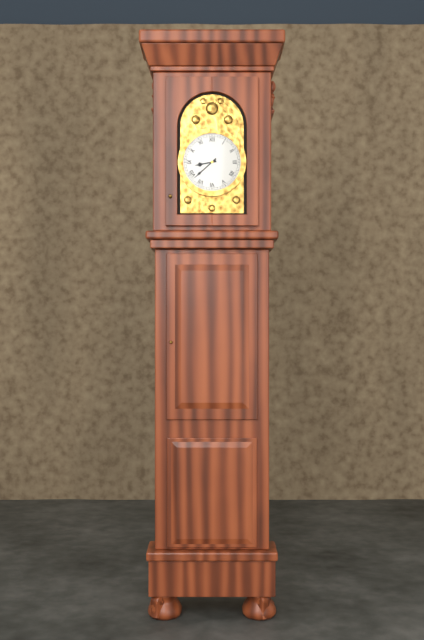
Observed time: 8:38
